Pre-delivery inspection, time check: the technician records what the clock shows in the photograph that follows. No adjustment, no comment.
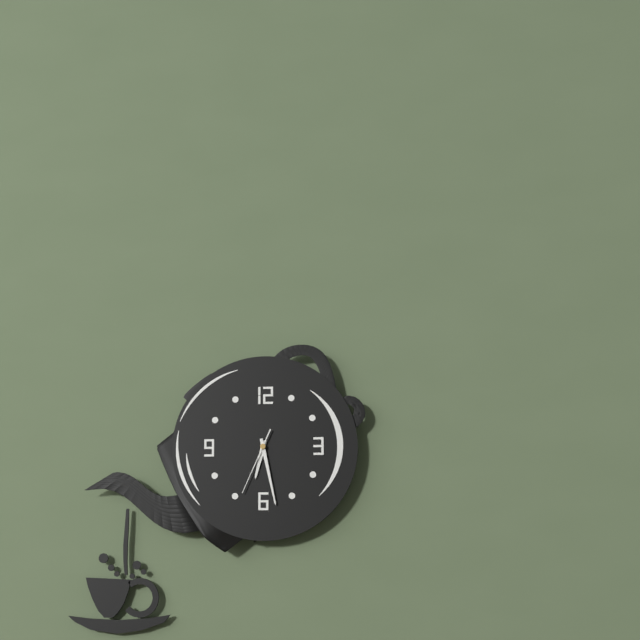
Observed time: 6:28:34
